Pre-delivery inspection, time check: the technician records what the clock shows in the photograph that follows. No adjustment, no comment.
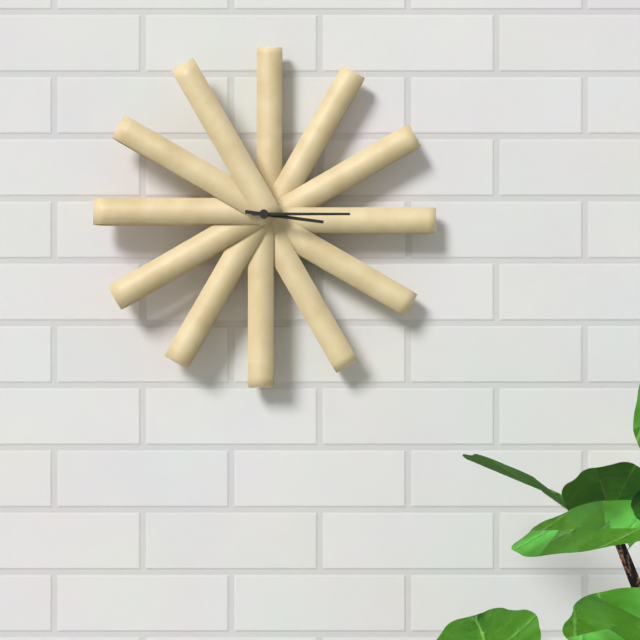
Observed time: 3:15
